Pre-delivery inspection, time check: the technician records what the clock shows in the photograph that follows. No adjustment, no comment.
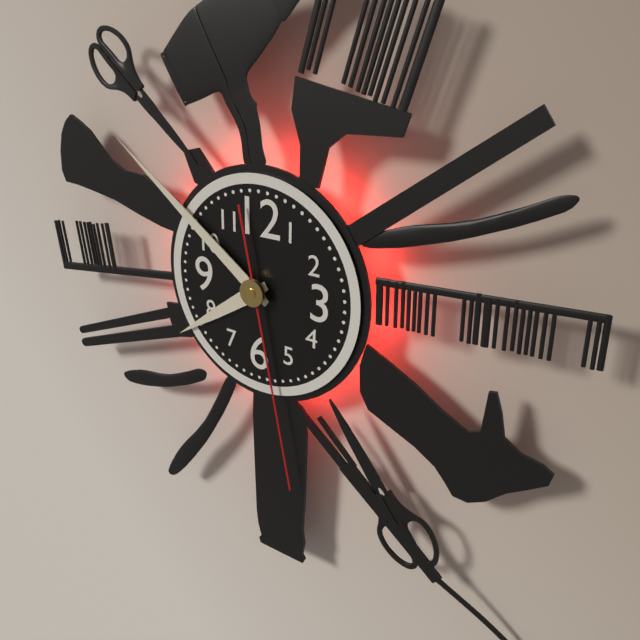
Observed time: 7:51:28
